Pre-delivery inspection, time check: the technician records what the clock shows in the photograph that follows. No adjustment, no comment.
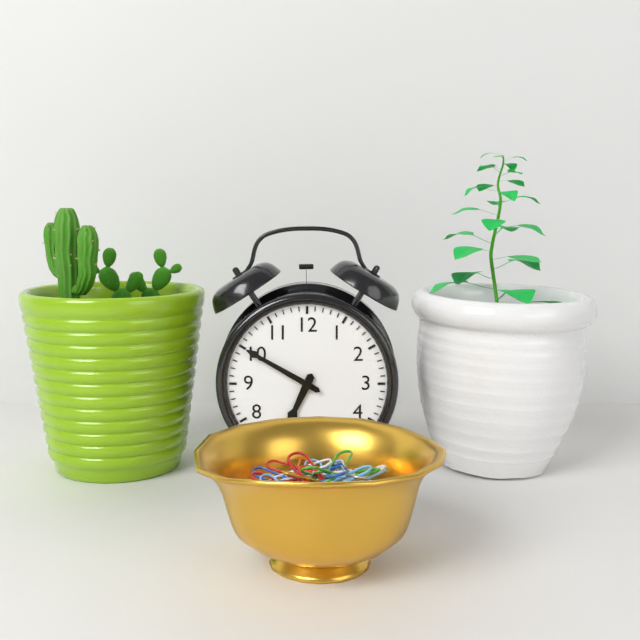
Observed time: 6:50
